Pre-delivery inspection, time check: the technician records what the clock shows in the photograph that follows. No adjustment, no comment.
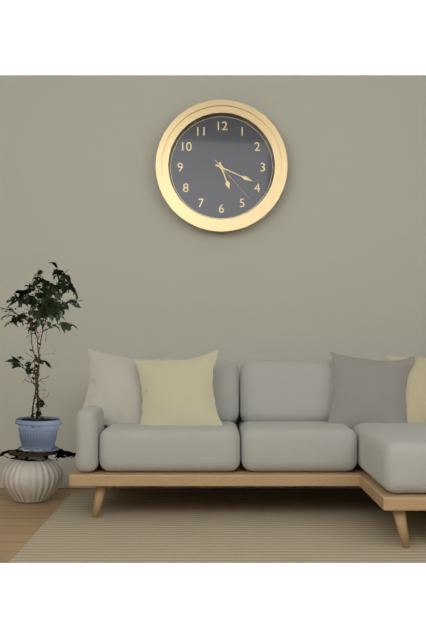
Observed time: 5:19:23
